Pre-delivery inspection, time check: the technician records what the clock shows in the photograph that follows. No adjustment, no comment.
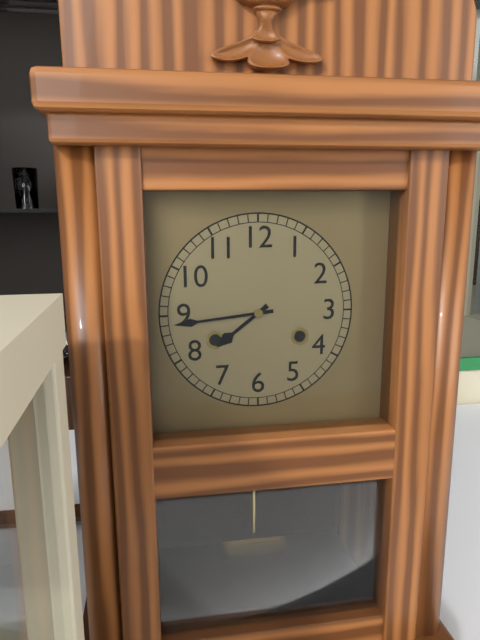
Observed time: 7:44
